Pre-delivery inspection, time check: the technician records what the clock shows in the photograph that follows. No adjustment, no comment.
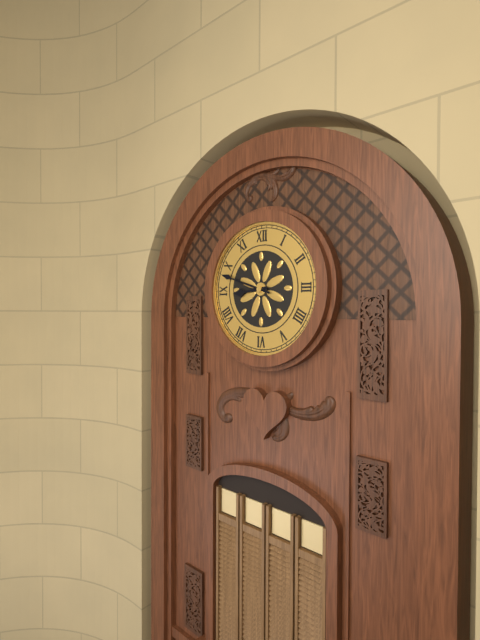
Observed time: 8:48
